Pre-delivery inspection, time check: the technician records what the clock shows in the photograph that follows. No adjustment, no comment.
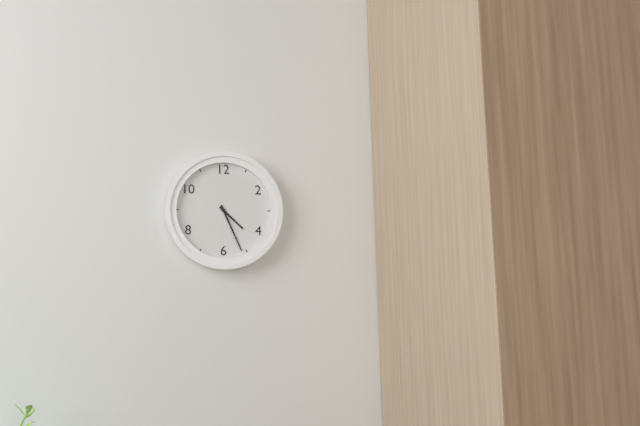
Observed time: 4:26
